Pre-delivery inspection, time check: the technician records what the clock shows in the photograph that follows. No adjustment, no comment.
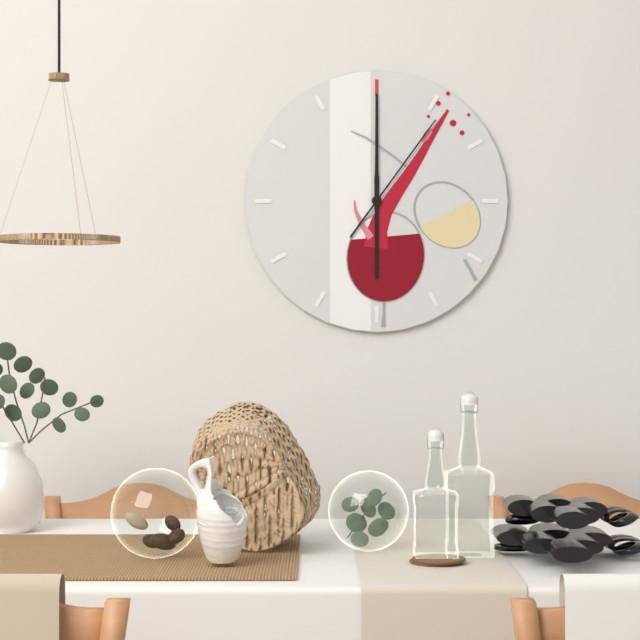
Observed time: 6:00:06
